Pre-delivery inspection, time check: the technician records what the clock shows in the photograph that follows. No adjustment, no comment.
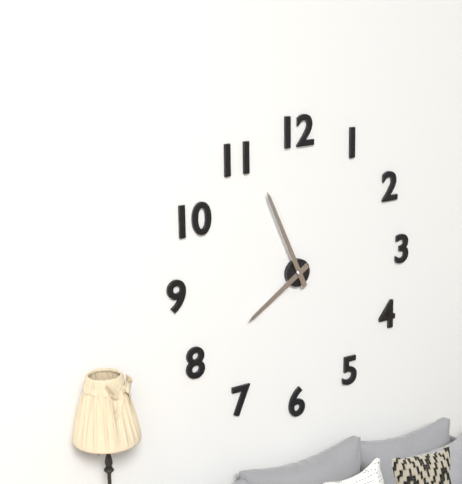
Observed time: 7:56
